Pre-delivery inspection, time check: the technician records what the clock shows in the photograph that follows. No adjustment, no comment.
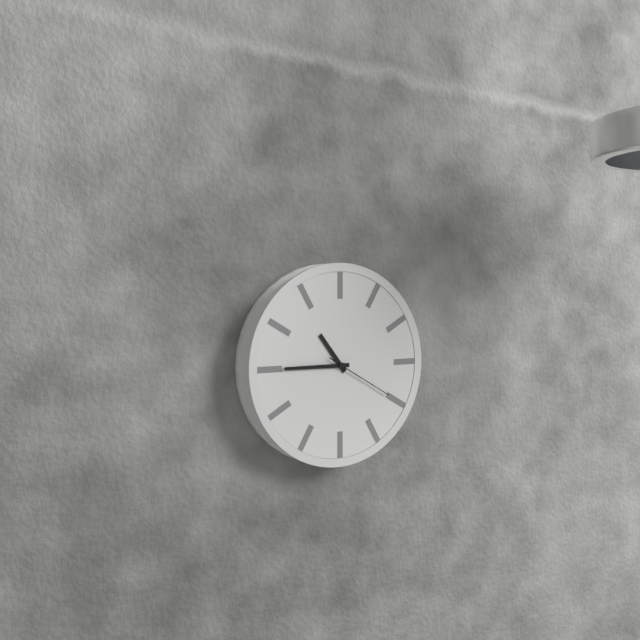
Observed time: 10:45:20
